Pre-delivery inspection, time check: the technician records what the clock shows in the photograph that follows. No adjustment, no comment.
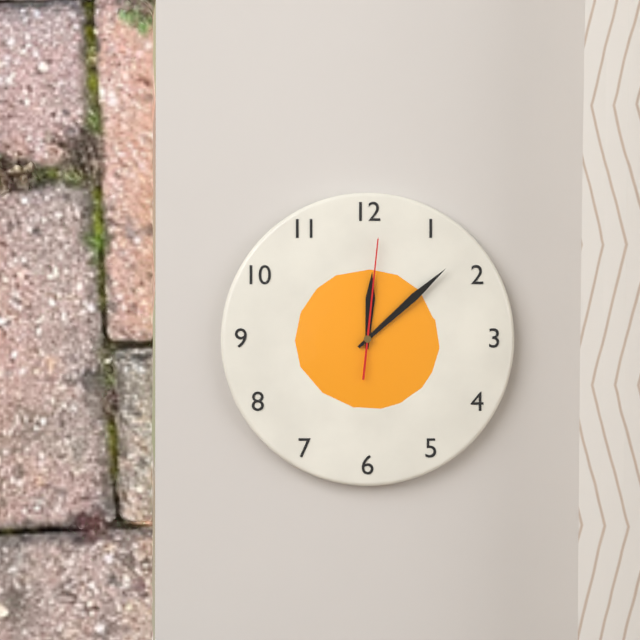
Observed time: 12:08:01
